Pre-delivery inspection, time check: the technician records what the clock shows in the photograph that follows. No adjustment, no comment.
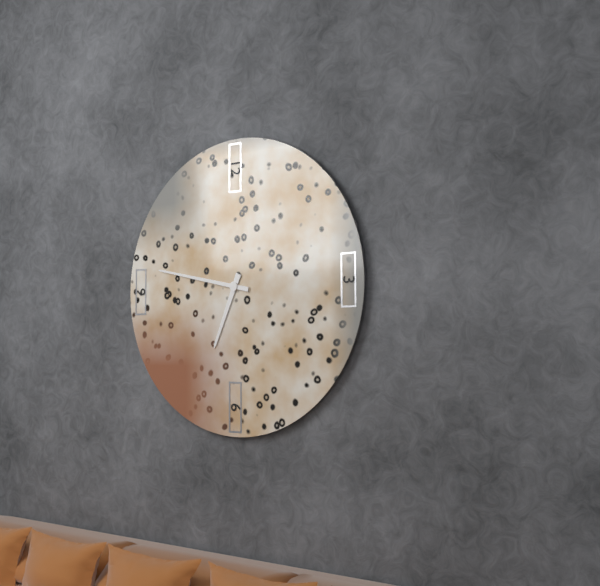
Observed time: 6:47
